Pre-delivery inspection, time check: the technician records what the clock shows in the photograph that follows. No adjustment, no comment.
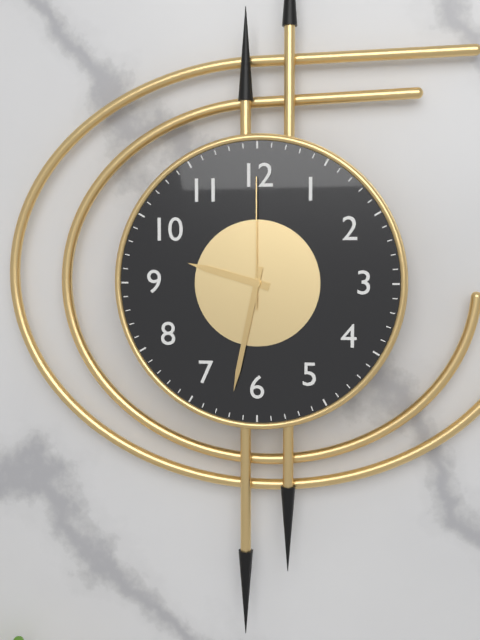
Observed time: 9:32:00
